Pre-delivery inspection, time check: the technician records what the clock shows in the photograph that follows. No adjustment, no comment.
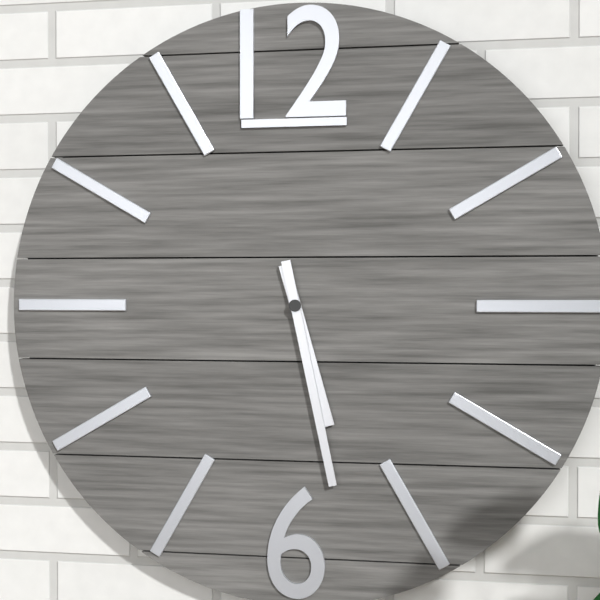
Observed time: 5:28
